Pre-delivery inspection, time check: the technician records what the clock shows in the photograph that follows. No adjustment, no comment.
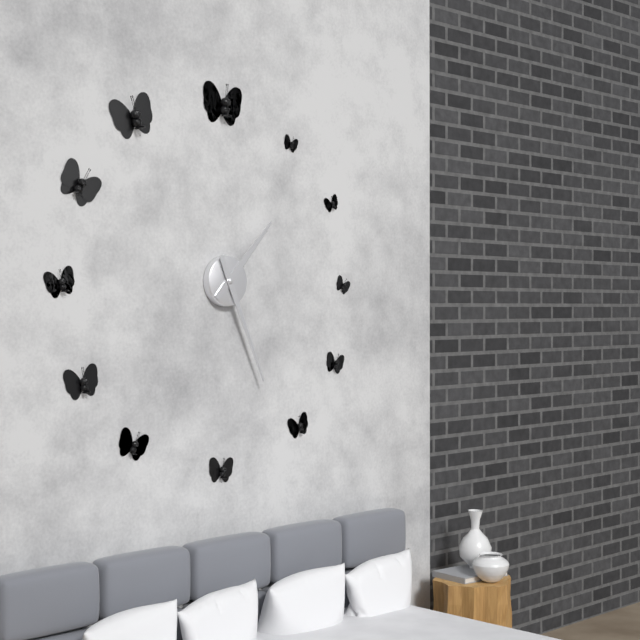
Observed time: 1:26
